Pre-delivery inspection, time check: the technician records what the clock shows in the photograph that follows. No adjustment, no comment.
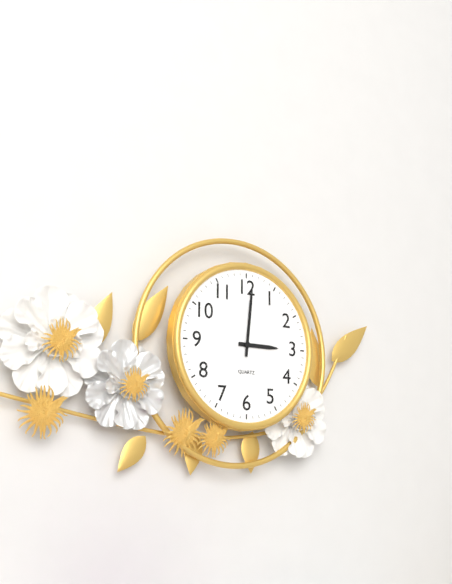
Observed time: 3:01
